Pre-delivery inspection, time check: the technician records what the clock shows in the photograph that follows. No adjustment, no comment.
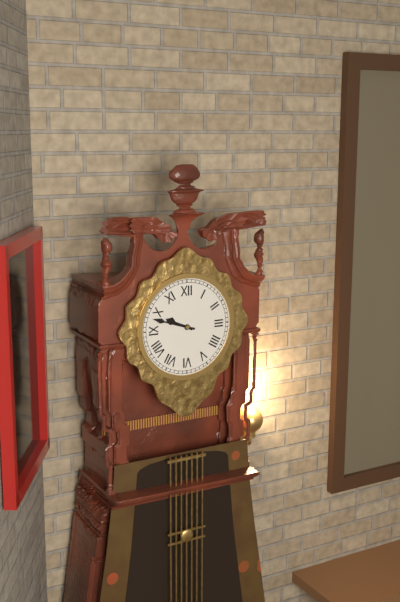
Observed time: 9:48
